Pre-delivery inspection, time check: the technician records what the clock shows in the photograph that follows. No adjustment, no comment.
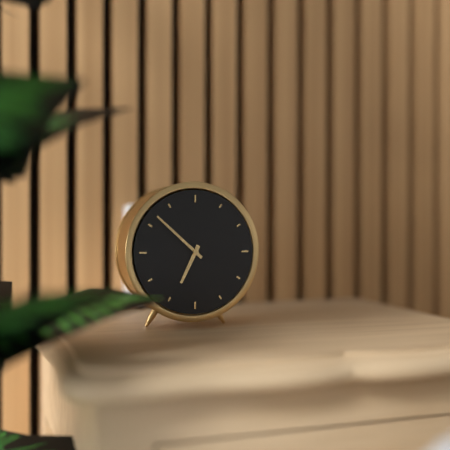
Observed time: 6:52
